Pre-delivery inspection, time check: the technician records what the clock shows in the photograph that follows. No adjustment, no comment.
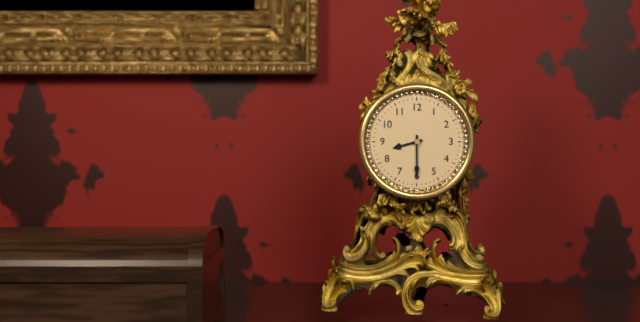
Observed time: 8:30
